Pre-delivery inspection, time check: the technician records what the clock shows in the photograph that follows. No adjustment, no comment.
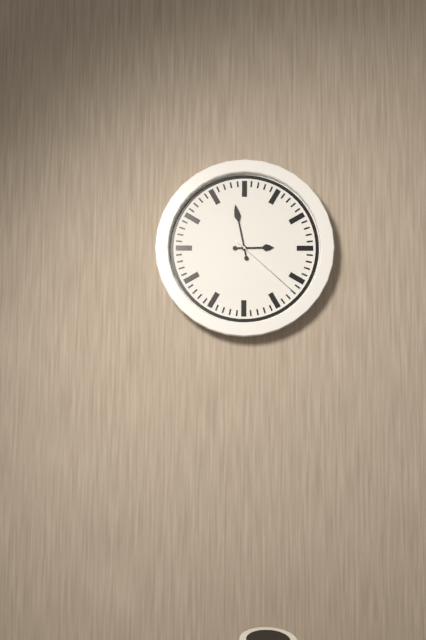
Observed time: 2:58:22
